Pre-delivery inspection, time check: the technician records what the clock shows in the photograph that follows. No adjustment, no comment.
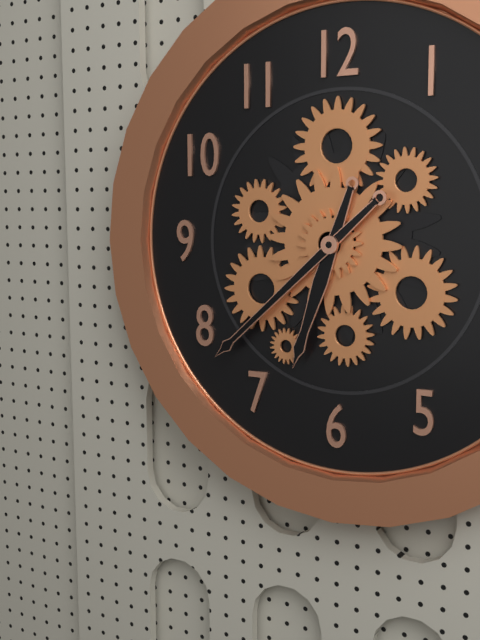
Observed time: 6:38
